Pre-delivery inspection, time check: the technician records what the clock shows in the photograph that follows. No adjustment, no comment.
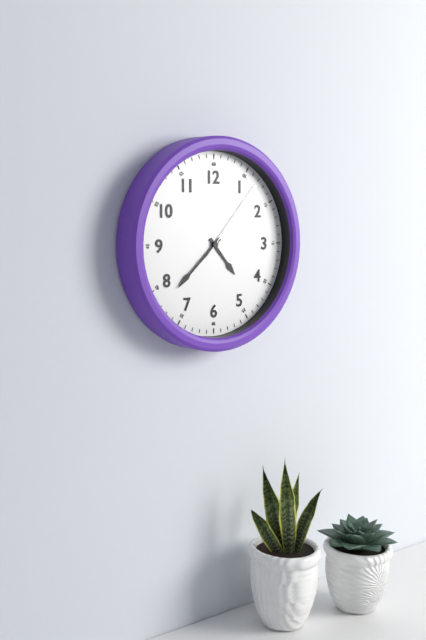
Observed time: 4:38:07
